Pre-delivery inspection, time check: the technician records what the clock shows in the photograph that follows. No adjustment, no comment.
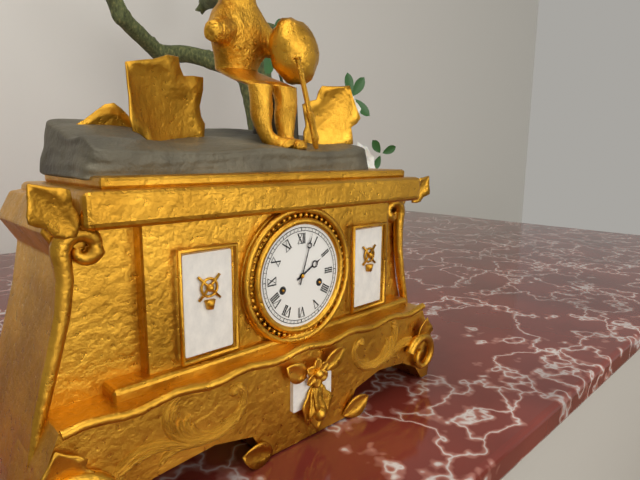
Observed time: 2:03
